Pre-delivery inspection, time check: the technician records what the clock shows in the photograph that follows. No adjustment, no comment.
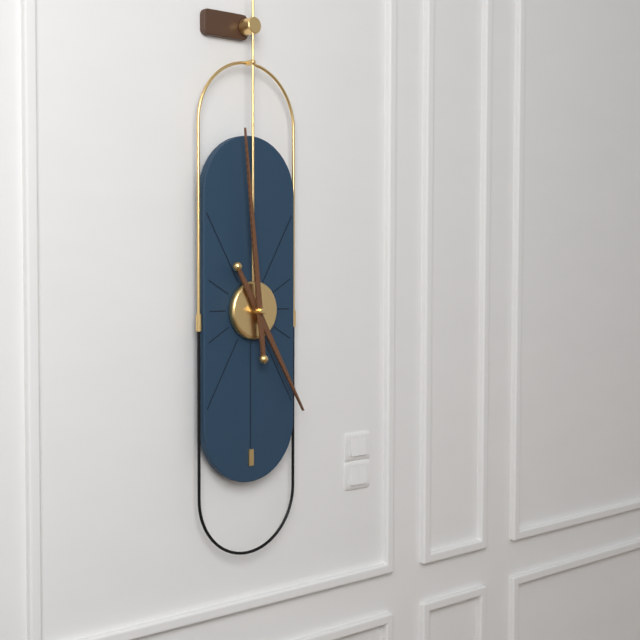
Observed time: 4:59
